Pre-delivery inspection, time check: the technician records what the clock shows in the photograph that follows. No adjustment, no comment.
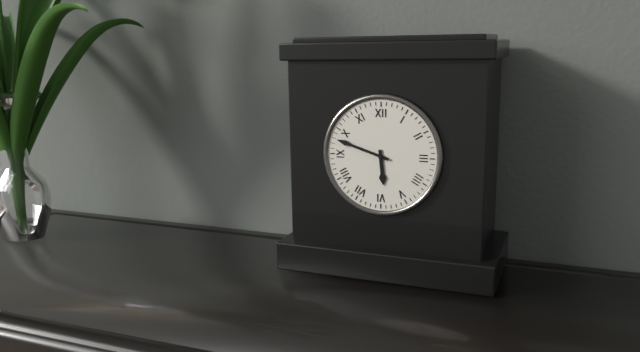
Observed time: 5:48
